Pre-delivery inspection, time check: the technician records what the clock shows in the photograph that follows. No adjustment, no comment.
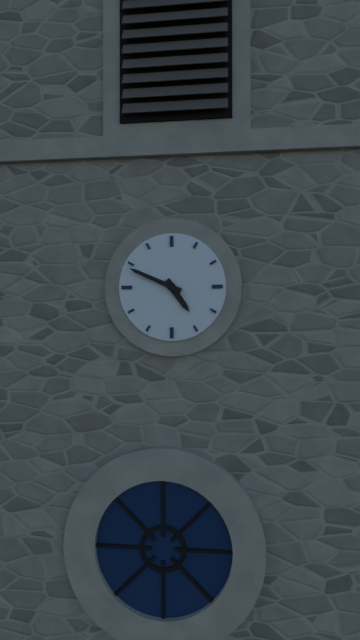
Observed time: 4:49
